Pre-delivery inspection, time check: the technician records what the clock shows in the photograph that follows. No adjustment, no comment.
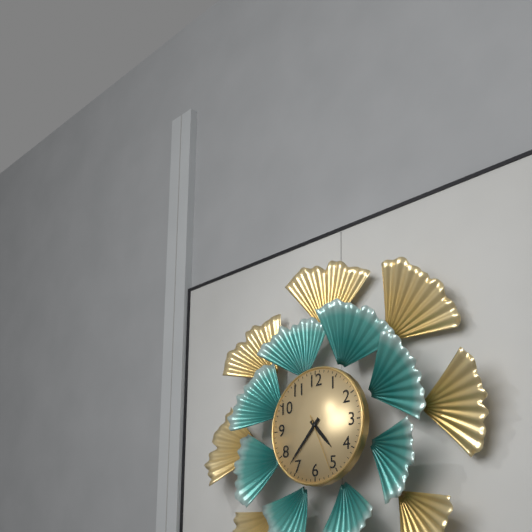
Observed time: 4:37:26
